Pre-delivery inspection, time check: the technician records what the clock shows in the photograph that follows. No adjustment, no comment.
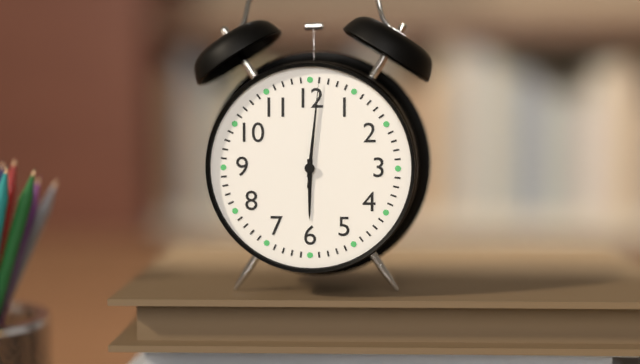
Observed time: 6:01:01
